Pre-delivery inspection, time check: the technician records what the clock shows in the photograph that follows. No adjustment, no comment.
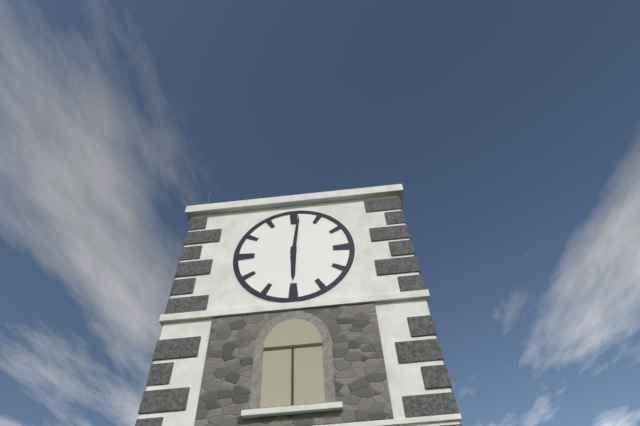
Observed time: 6:01
